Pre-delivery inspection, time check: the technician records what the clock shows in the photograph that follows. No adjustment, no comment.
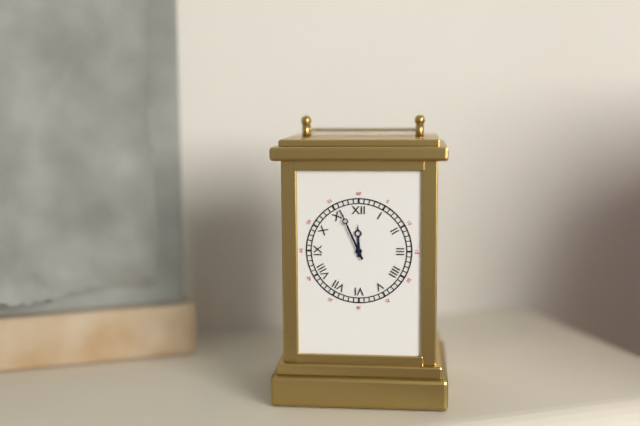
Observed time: 11:56
